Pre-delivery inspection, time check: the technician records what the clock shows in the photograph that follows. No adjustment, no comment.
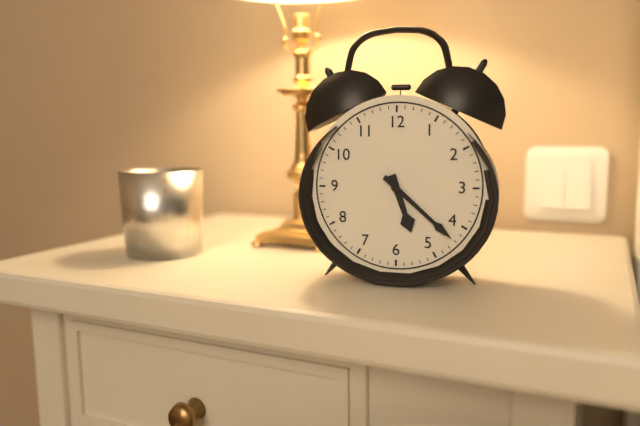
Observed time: 5:22
